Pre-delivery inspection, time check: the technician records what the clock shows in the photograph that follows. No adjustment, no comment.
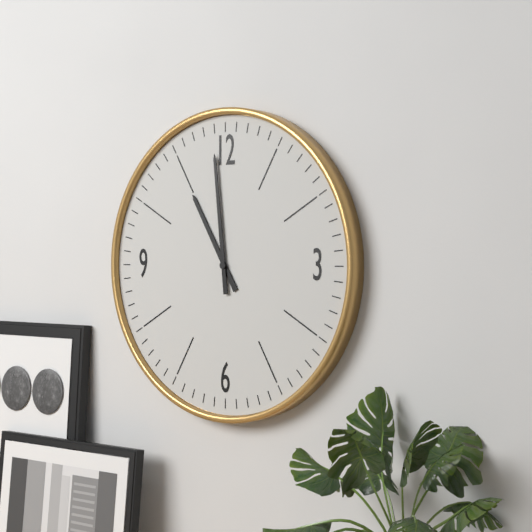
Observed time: 10:59
